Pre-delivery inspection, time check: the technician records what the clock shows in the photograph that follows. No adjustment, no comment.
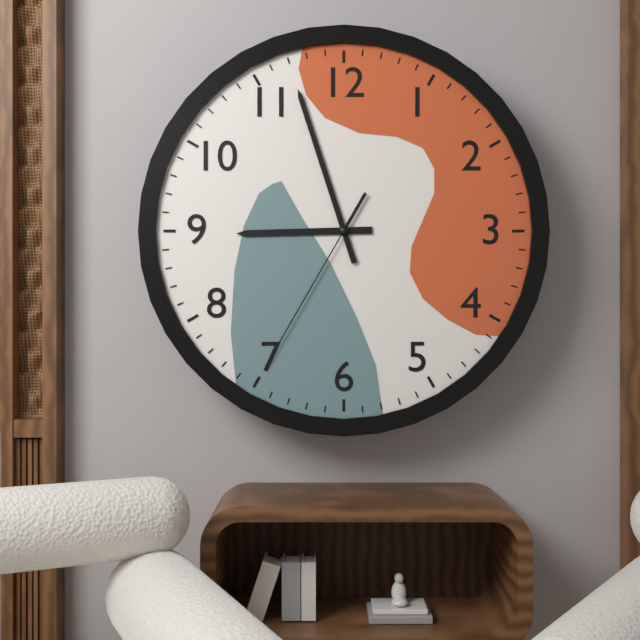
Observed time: 8:57:35
